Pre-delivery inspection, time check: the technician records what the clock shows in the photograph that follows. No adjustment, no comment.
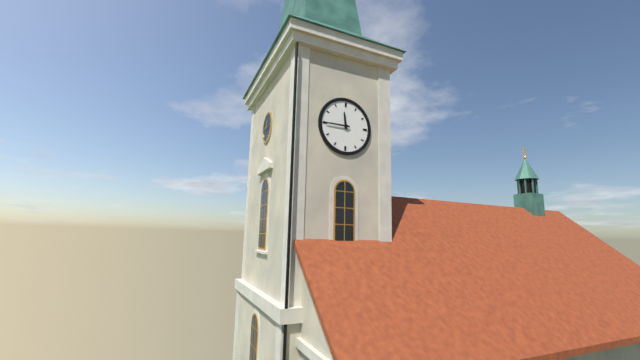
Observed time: 11:45
